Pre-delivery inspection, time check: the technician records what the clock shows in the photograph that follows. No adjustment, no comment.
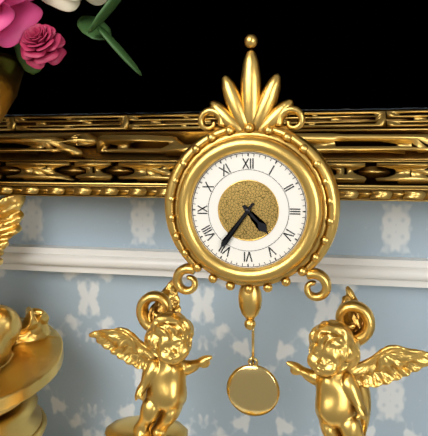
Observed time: 4:36
